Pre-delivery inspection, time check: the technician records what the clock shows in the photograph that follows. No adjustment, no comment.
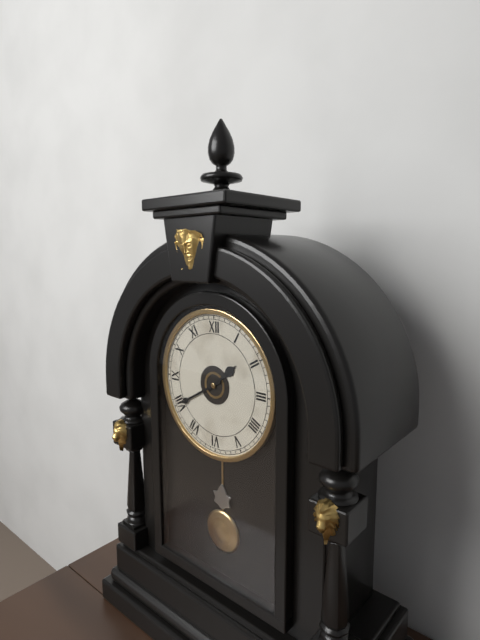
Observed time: 1:40
